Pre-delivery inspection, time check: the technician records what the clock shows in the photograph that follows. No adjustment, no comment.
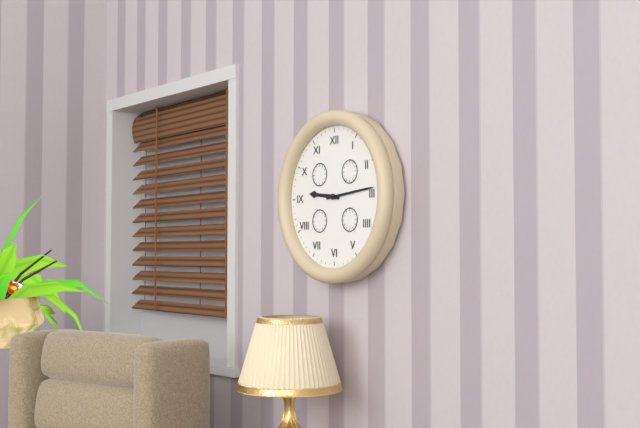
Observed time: 9:14
